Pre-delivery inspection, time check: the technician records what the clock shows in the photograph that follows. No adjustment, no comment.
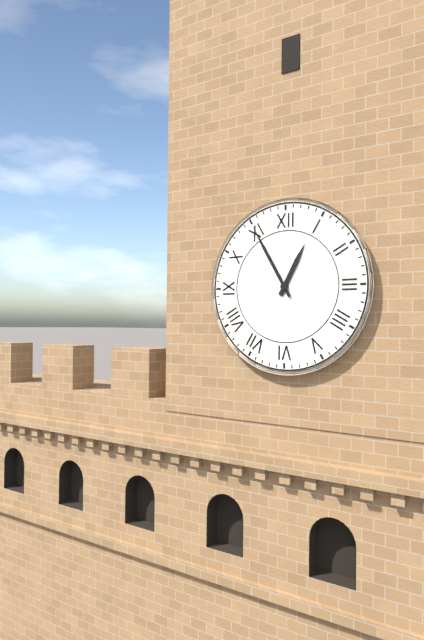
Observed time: 12:55
